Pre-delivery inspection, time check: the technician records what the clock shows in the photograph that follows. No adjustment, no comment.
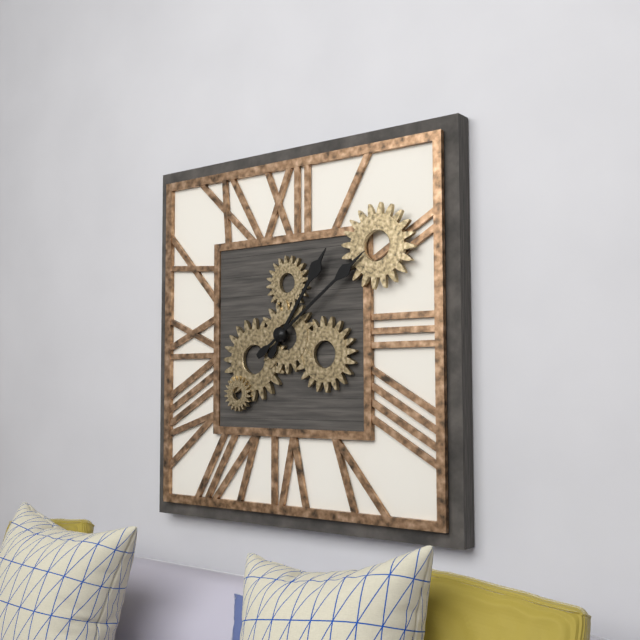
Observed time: 1:09
